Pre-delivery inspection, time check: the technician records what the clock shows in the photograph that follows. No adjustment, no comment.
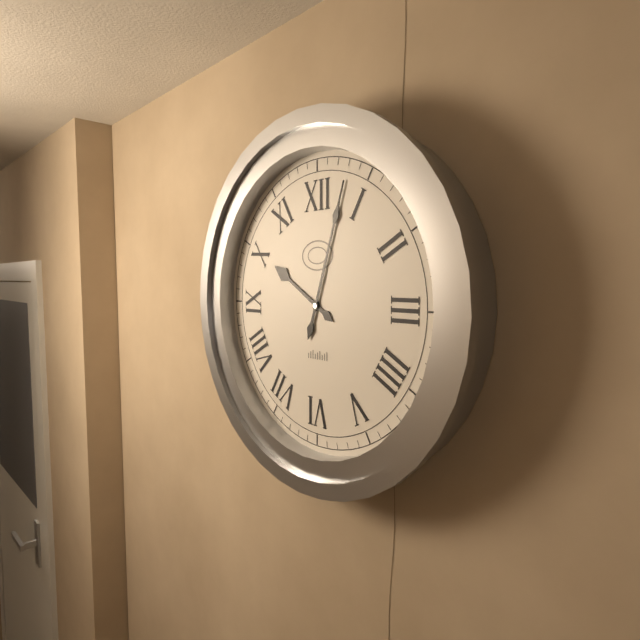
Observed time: 10:03
